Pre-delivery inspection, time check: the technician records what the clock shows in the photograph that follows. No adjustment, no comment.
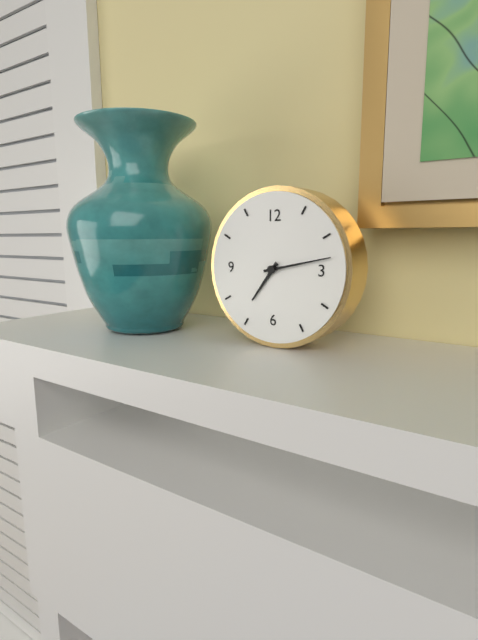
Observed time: 7:13
